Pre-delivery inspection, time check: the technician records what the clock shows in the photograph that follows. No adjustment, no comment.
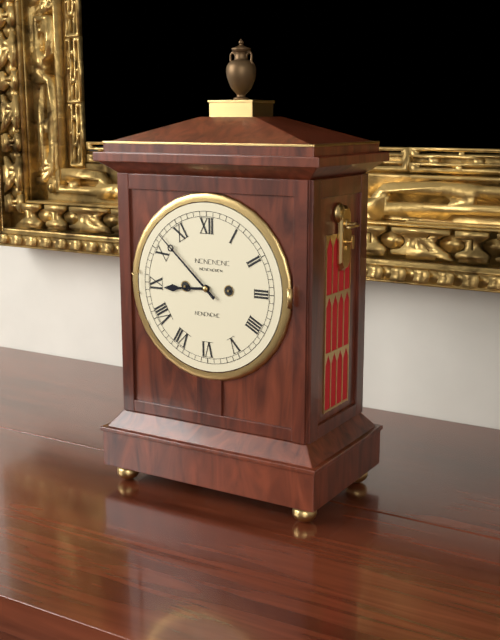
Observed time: 8:52
